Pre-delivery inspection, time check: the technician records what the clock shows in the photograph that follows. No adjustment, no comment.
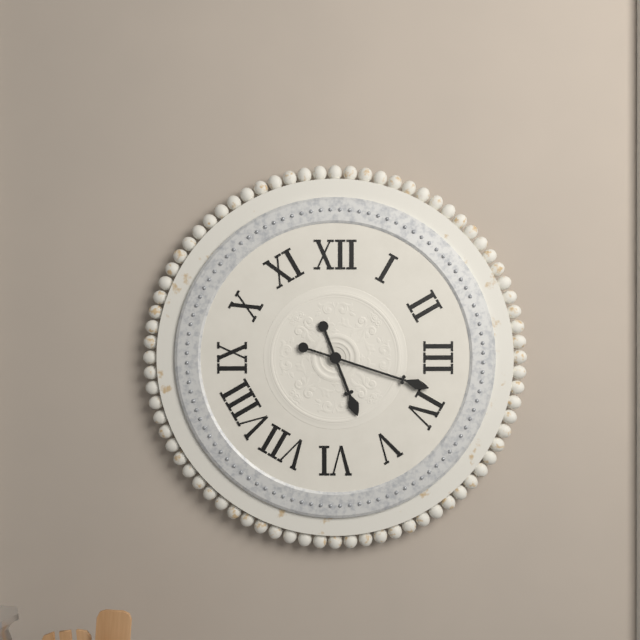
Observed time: 5:18
